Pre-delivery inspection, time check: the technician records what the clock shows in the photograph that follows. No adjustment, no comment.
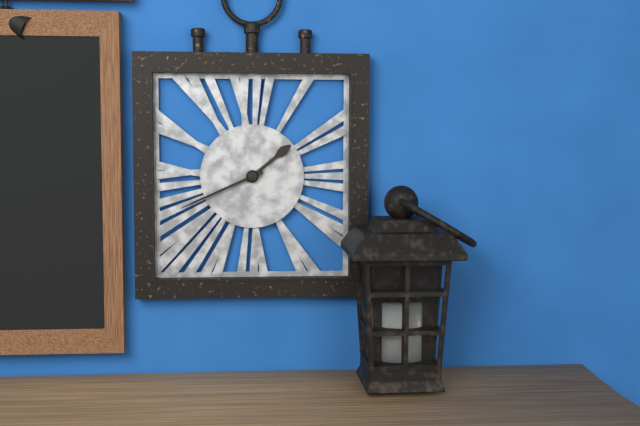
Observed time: 1:41
